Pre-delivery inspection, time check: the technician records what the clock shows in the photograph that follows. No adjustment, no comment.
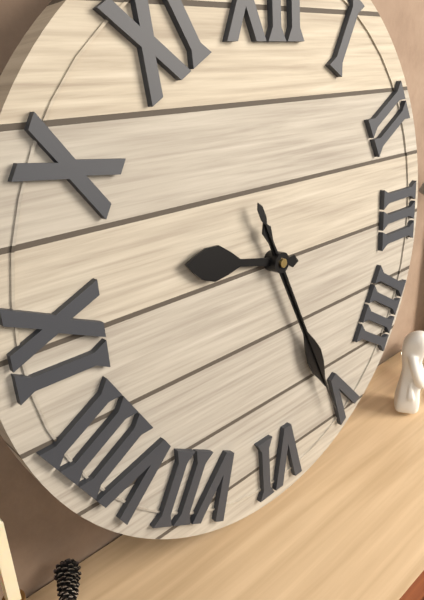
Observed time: 9:26:26
